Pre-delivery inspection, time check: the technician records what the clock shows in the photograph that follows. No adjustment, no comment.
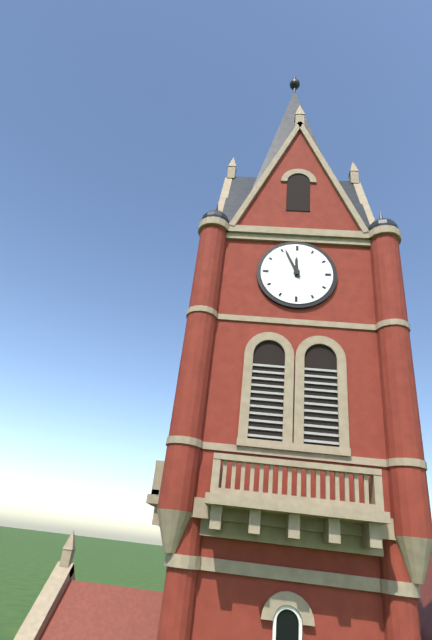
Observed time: 11:56
